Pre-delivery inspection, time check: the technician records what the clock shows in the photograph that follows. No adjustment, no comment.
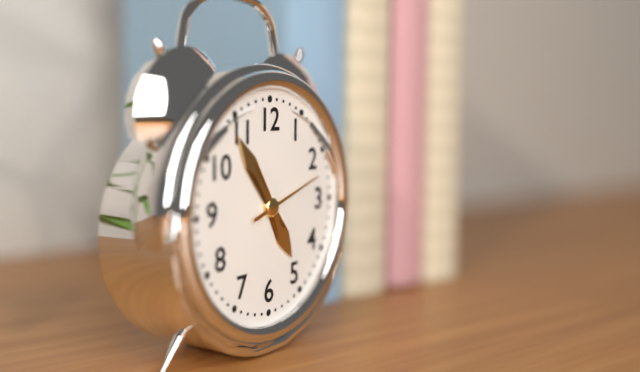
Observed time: 4:54:12
